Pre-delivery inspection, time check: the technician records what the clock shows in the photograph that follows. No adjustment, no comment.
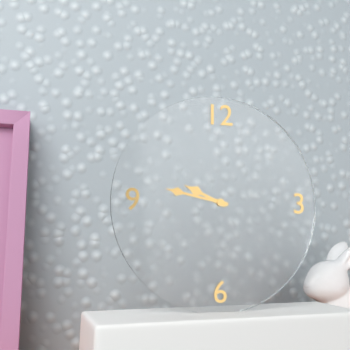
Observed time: 9:47
